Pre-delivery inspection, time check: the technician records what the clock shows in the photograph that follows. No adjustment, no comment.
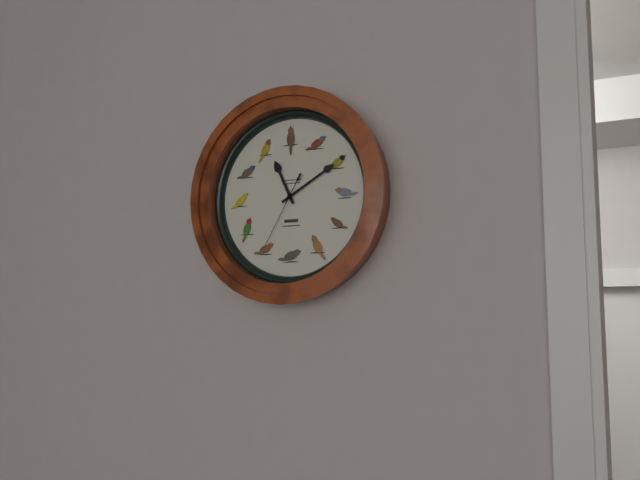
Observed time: 11:10:35
